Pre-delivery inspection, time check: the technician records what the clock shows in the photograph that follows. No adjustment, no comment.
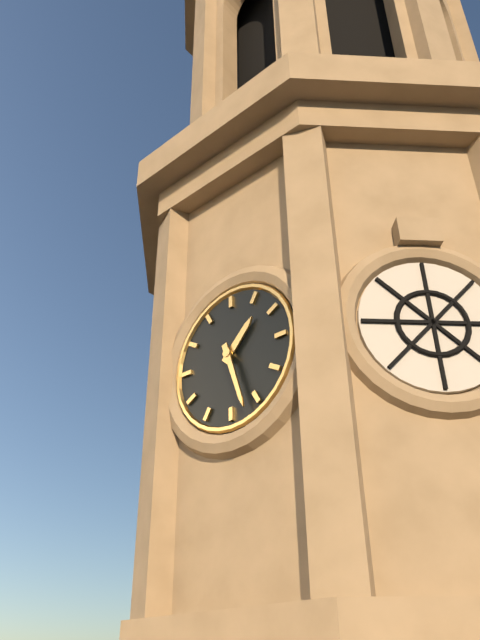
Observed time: 1:27
